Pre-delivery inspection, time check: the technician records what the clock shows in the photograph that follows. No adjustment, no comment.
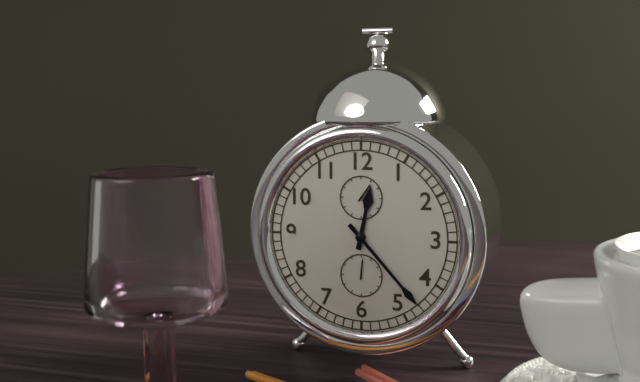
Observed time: 12:23
